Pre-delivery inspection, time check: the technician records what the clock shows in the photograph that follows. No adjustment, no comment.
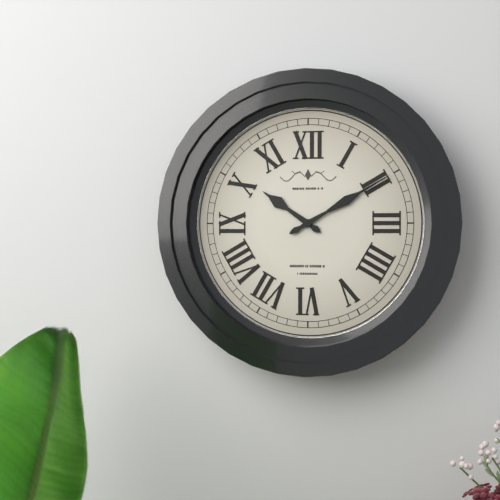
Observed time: 10:10
